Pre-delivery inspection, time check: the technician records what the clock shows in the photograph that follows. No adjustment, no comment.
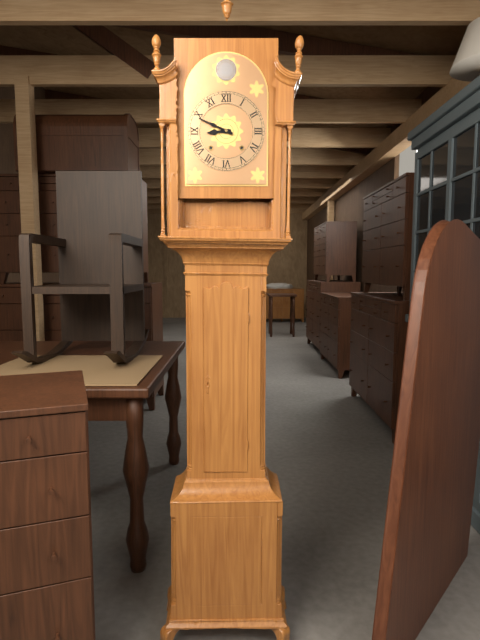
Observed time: 8:49
